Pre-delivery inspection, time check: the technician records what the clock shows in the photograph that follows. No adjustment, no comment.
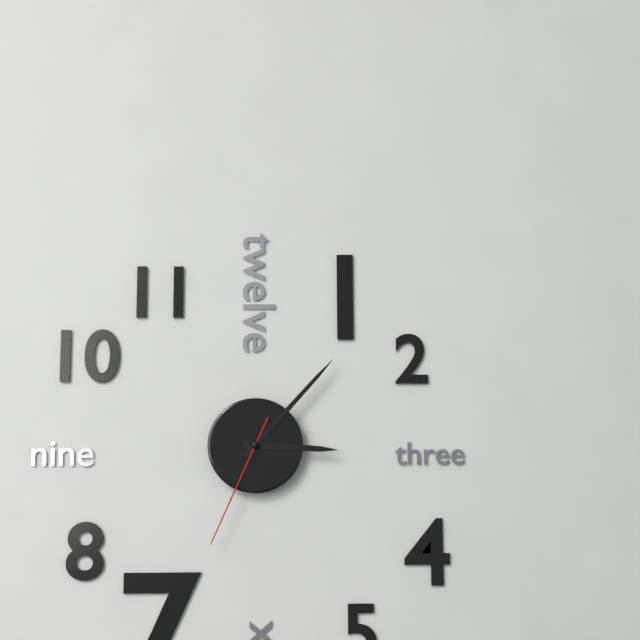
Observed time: 3:07:34
